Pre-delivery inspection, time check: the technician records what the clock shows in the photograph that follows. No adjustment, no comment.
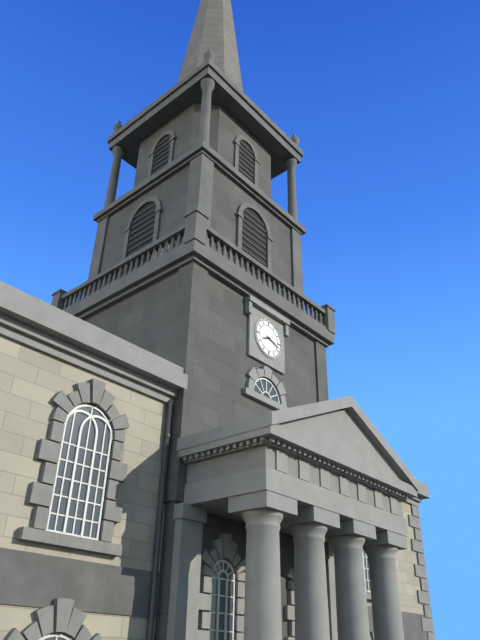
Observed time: 8:18
